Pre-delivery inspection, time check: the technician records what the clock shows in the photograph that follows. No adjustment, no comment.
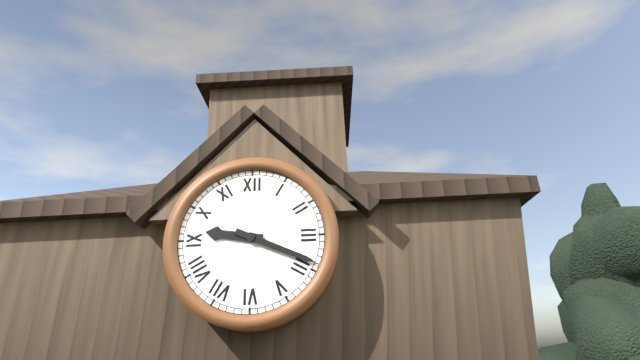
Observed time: 9:19
